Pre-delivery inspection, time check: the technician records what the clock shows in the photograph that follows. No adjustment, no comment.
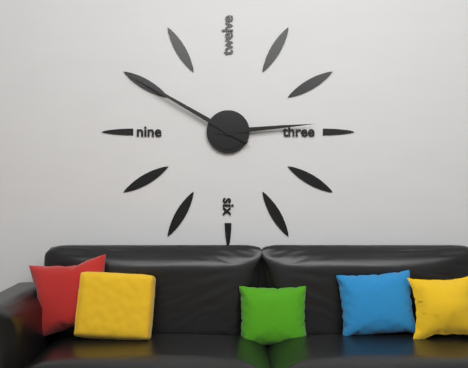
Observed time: 2:50
